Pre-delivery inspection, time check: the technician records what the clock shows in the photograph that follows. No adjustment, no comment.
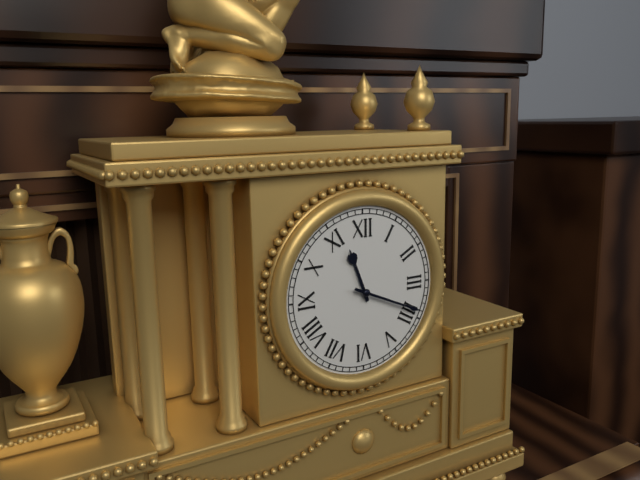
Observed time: 11:19
